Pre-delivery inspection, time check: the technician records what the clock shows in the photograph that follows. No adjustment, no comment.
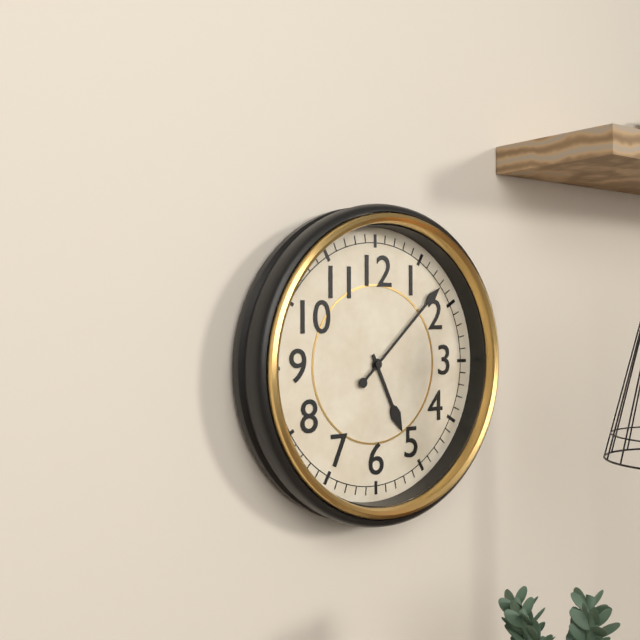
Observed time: 5:08
